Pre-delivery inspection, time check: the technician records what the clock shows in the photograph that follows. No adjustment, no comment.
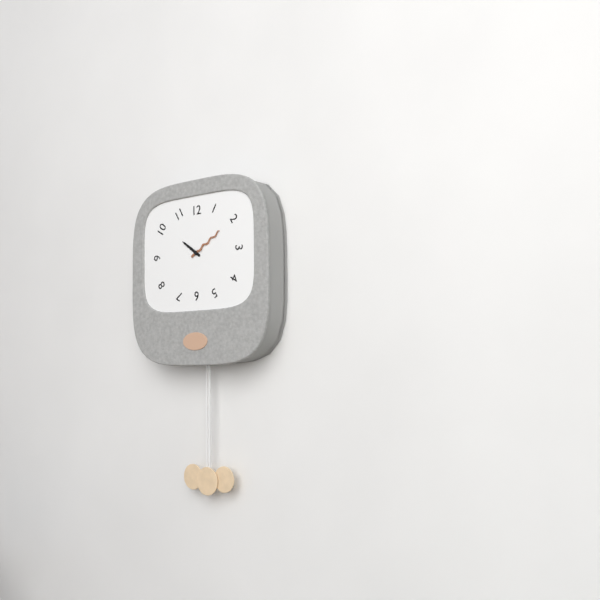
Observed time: 10:10
